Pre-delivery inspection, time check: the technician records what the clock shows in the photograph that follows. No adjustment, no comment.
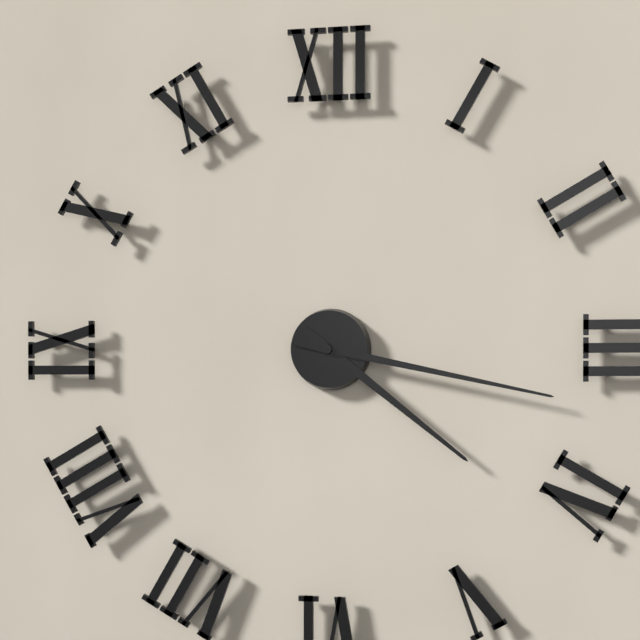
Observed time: 4:17
